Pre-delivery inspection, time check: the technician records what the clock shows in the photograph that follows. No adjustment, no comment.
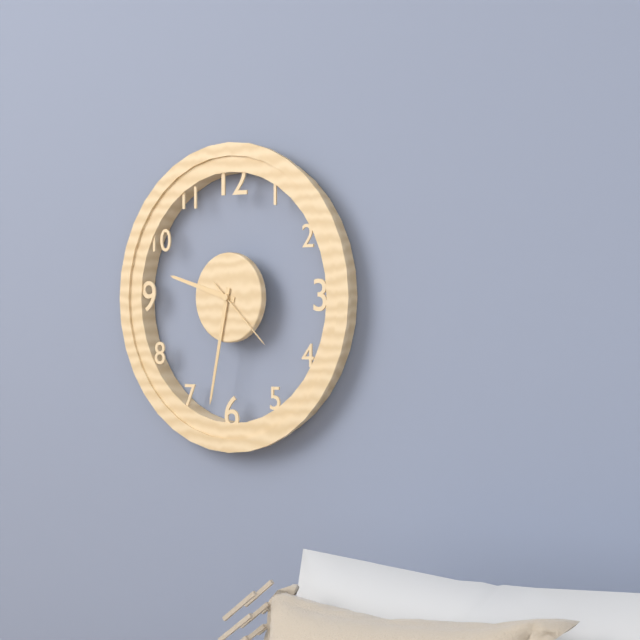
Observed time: 9:32:22
